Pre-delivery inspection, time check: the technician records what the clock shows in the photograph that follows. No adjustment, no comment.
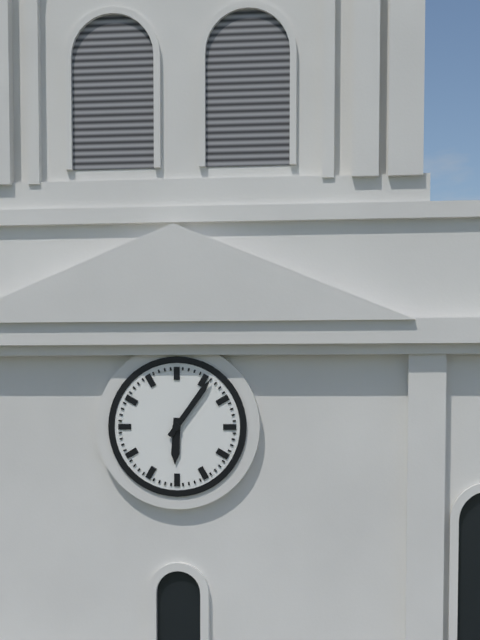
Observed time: 6:06
